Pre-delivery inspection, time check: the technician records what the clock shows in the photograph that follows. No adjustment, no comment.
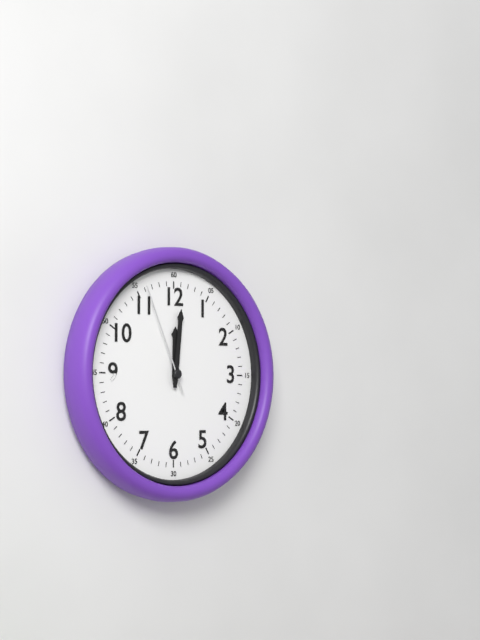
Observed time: 12:01:56
